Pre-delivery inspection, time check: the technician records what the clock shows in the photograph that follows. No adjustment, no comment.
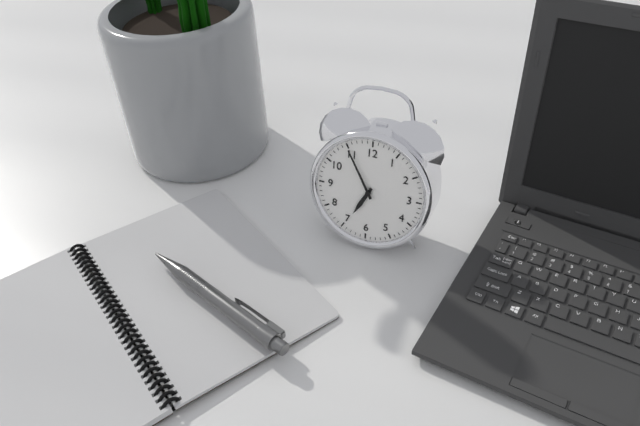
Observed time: 6:55
